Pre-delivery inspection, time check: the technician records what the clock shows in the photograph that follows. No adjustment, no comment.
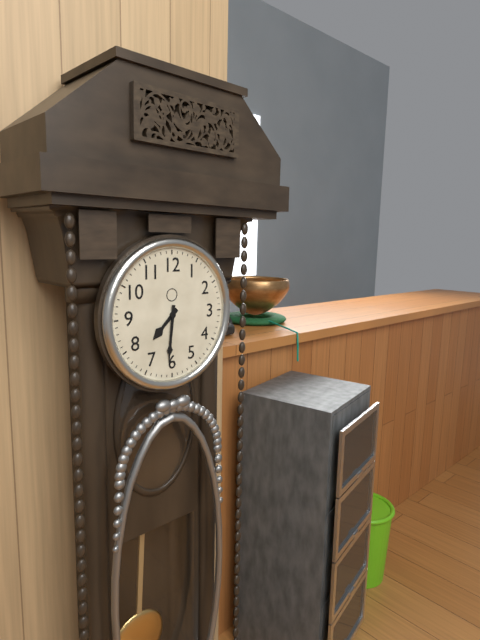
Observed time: 7:31
